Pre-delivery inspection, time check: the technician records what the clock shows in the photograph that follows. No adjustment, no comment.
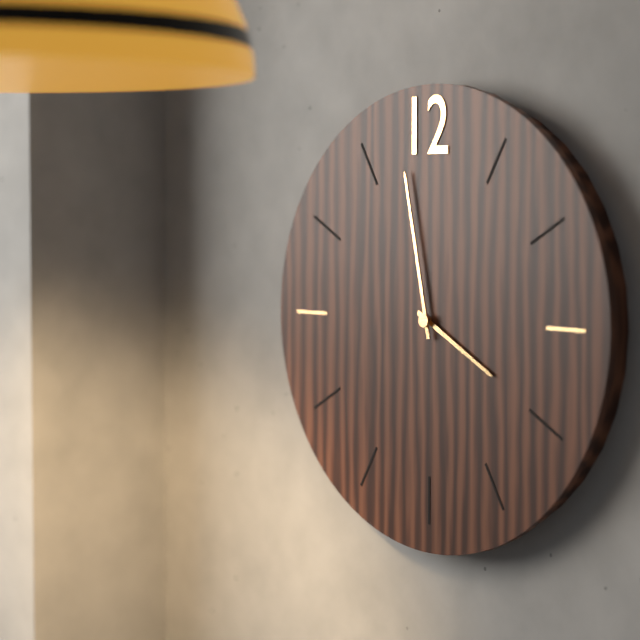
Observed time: 3:58
